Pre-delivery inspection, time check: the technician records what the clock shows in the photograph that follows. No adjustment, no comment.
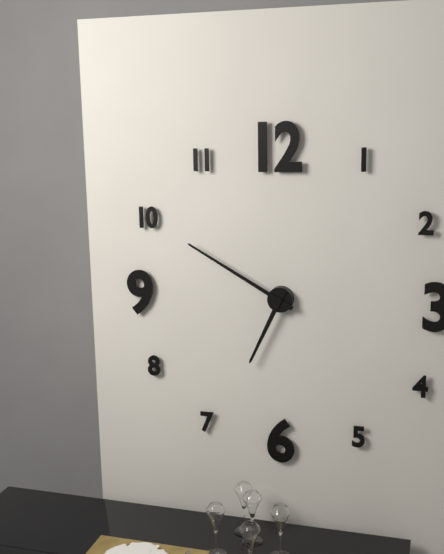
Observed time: 6:50
